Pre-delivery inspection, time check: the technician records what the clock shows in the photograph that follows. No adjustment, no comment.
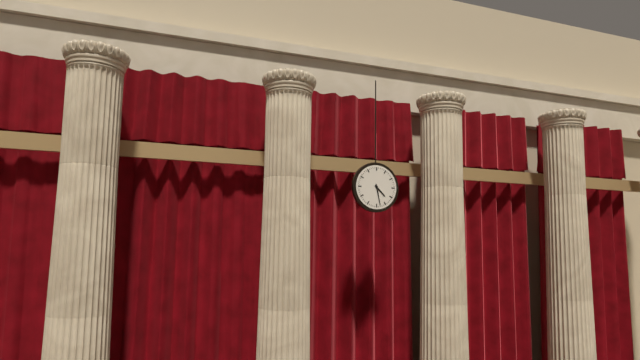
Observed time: 4:28
